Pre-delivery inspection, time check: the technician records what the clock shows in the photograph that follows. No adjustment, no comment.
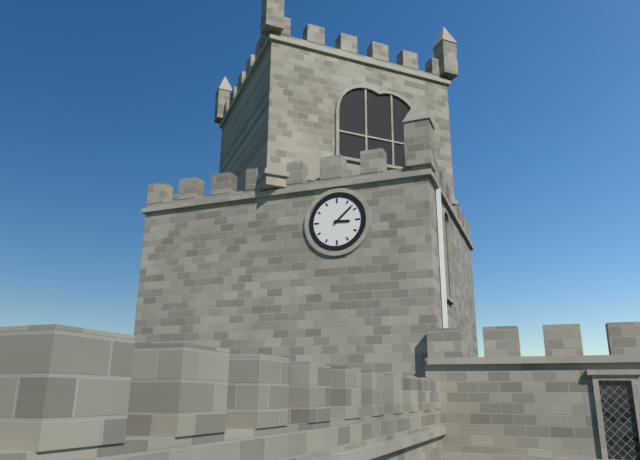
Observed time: 3:08
